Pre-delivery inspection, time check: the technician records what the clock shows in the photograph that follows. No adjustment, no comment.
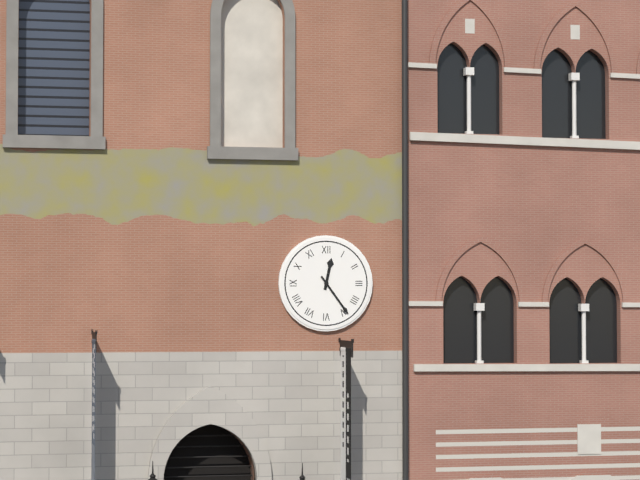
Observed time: 12:24
